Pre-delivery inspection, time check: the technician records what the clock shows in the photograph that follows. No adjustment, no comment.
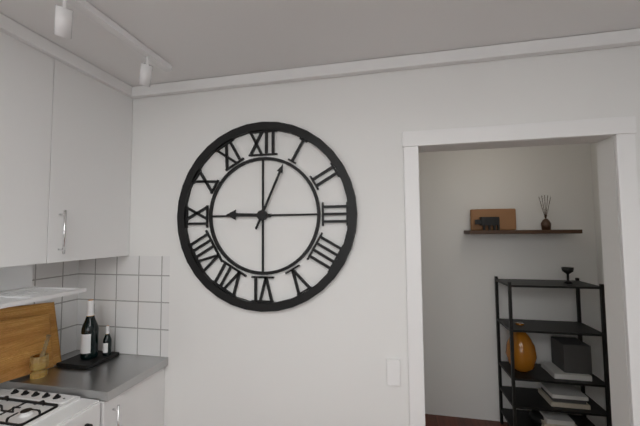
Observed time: 9:04
